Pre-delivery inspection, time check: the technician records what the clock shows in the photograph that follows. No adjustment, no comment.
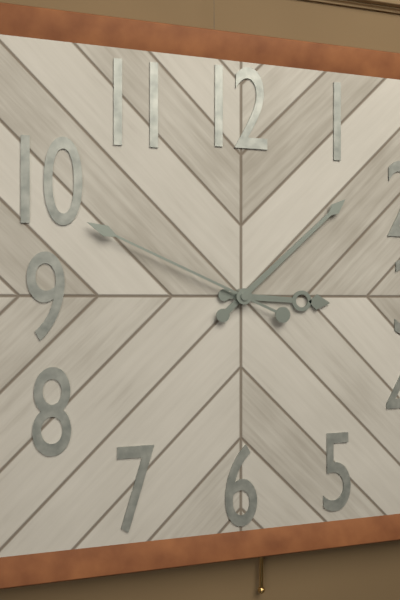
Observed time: 3:08:49
